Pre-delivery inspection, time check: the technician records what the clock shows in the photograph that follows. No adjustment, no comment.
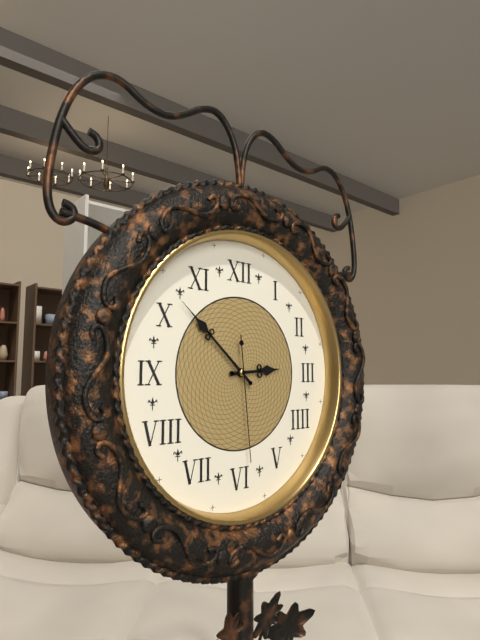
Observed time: 2:52:29
